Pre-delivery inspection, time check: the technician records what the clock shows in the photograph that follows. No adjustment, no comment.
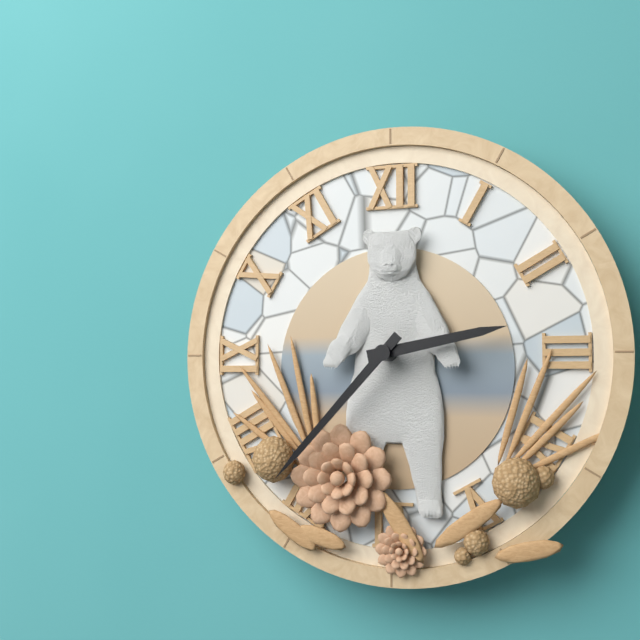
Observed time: 2:37
